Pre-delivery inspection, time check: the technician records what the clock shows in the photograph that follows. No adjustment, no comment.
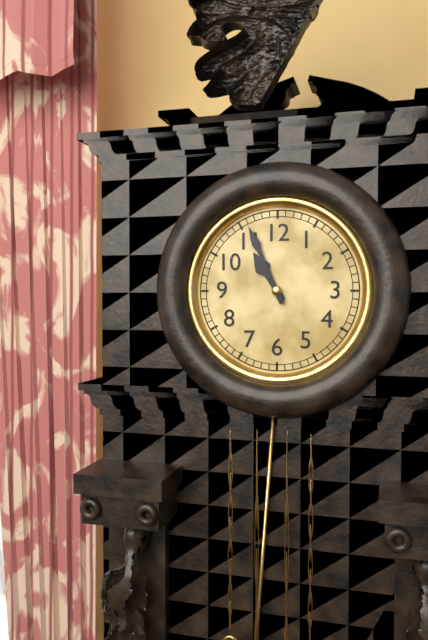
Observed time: 10:56
